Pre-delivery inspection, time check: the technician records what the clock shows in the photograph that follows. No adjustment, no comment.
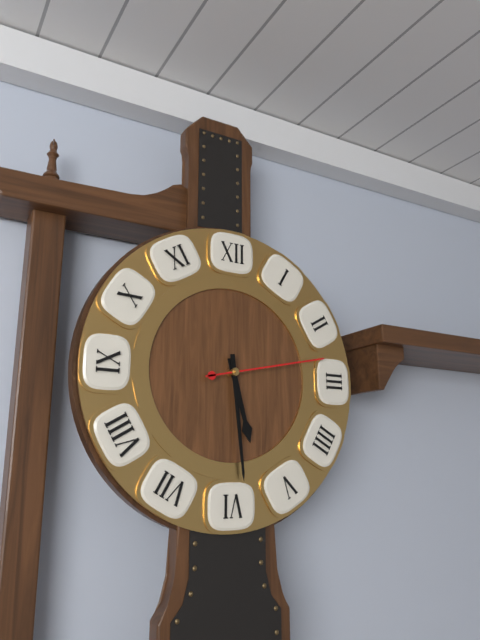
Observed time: 5:29:13
